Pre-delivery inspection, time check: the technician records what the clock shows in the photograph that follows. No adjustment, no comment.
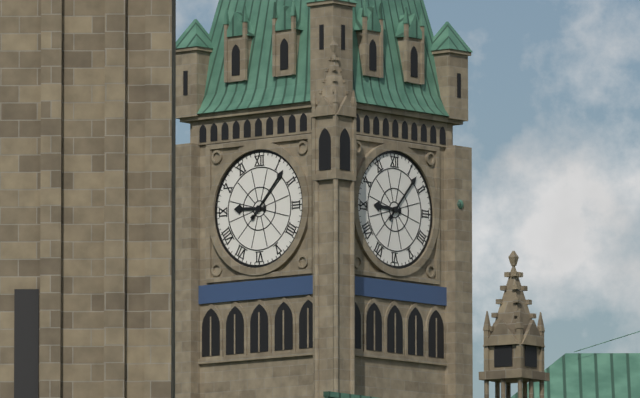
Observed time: 9:07
